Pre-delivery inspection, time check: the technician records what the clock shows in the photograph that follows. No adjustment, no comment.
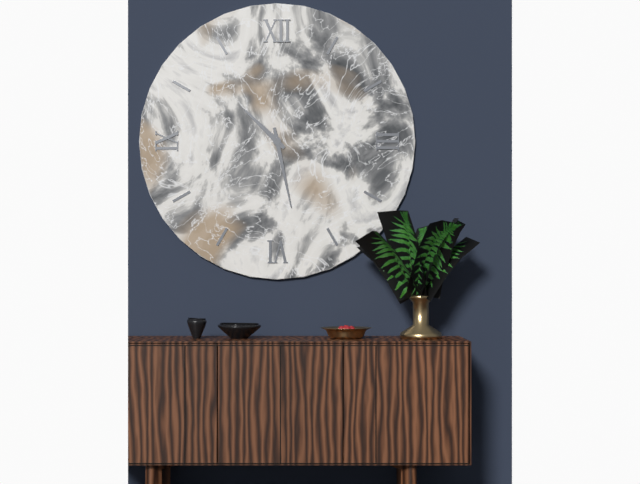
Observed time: 10:28
